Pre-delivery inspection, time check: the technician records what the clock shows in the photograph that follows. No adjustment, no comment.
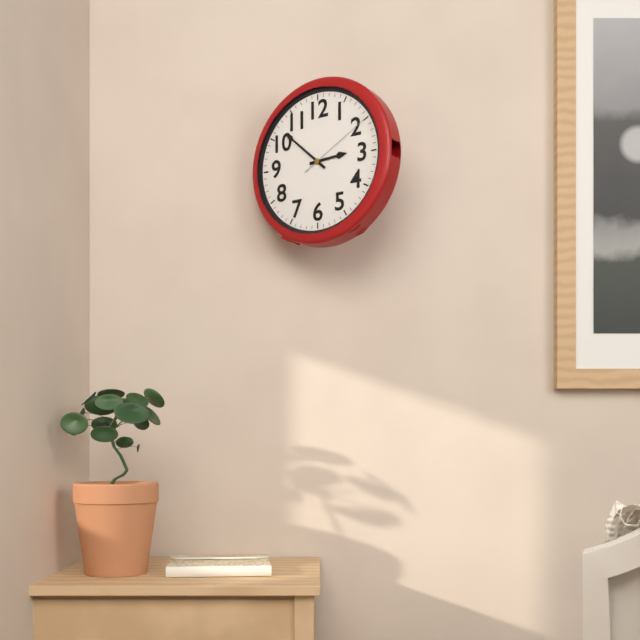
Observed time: 2:52:10
